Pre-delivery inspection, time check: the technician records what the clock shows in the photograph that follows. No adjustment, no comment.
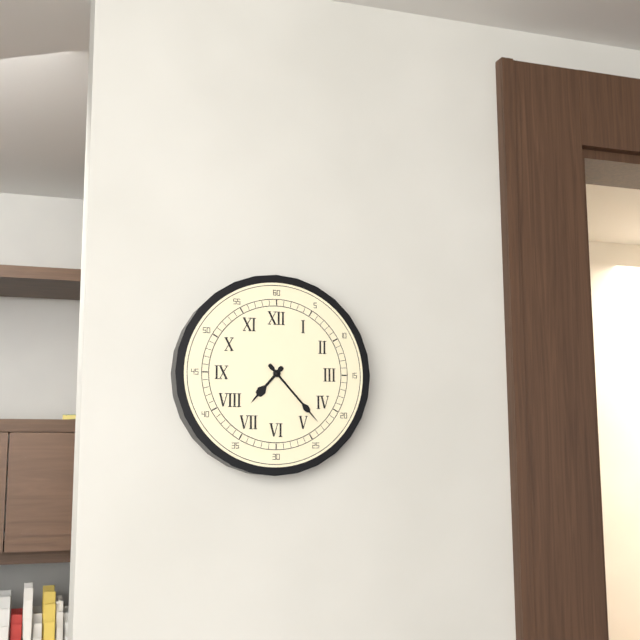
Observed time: 7:23
